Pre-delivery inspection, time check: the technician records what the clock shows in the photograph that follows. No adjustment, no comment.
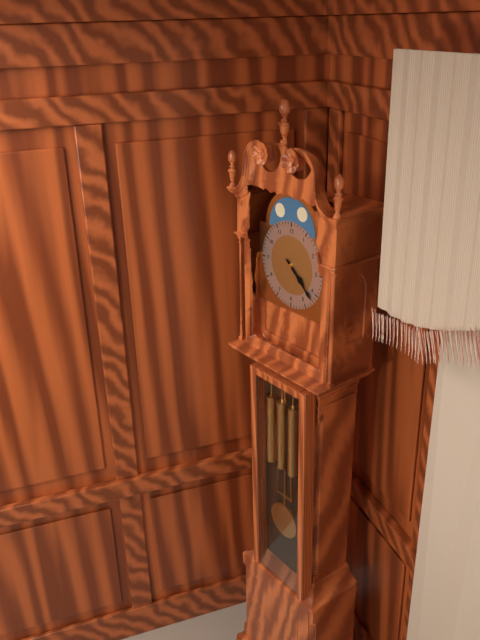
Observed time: 4:22
